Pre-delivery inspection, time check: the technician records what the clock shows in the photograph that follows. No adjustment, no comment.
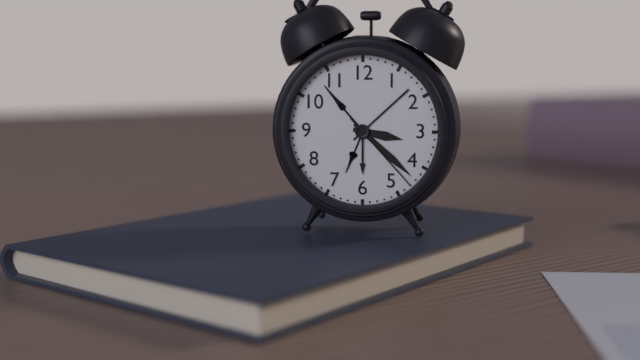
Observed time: 3:22:23
